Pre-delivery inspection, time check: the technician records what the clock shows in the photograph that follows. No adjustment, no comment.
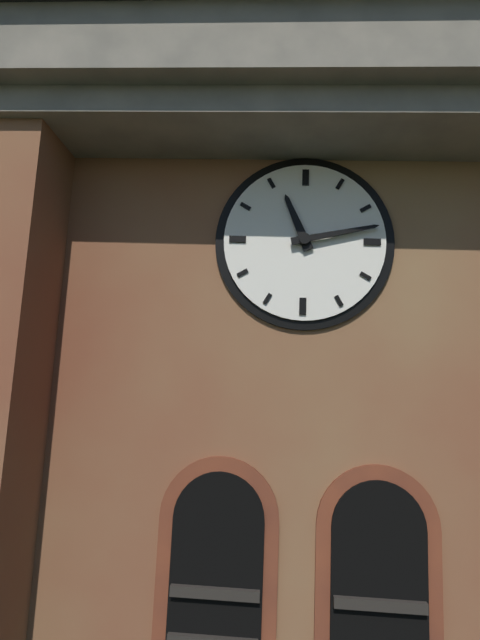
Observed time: 11:13
